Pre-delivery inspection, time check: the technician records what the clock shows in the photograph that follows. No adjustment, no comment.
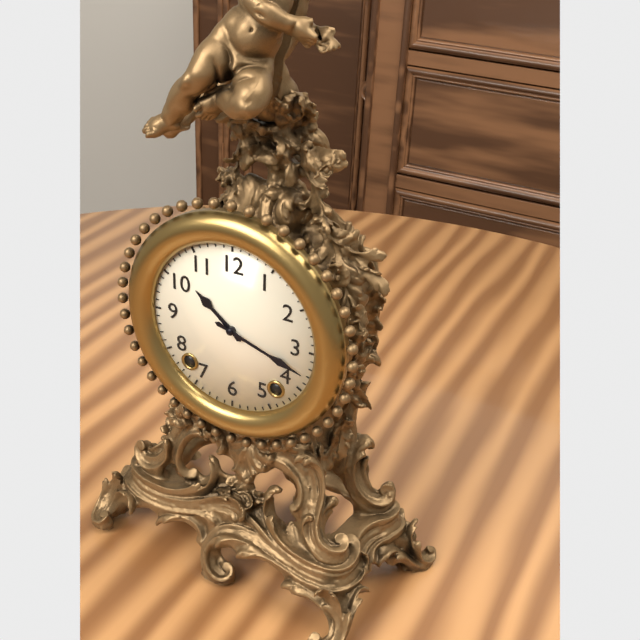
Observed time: 10:18
